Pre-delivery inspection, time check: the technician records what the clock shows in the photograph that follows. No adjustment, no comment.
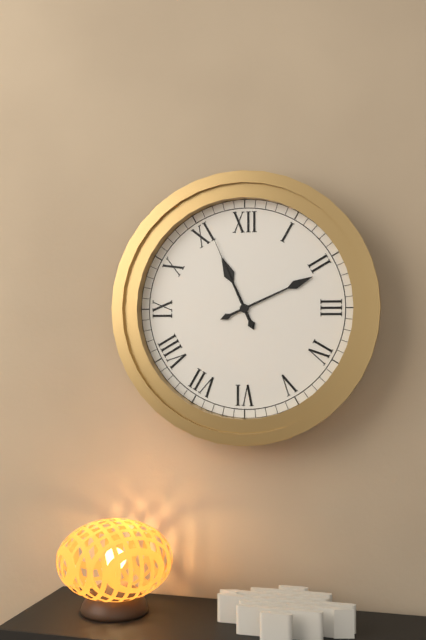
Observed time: 11:11:56
